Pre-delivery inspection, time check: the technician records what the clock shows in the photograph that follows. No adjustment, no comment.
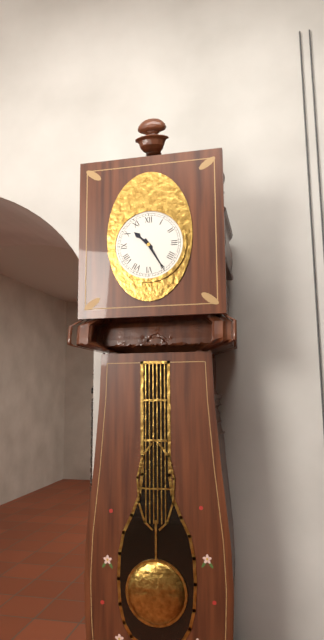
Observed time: 10:25
